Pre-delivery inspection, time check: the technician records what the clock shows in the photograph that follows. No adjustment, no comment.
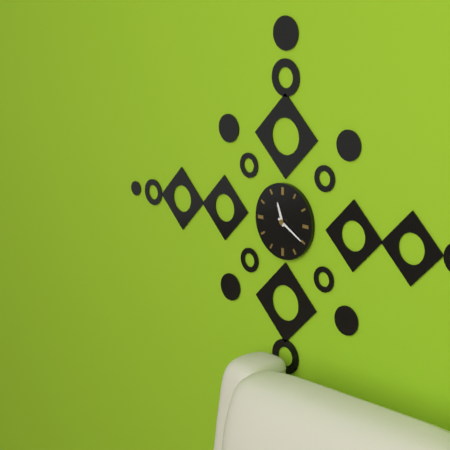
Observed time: 11:20
